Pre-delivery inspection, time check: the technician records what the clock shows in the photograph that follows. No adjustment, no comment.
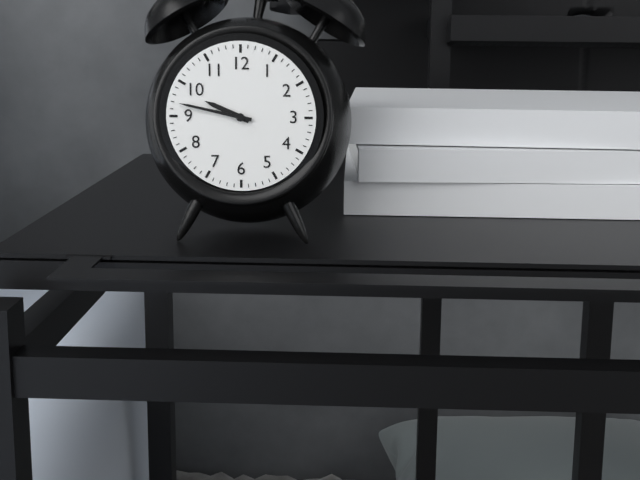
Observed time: 9:47
